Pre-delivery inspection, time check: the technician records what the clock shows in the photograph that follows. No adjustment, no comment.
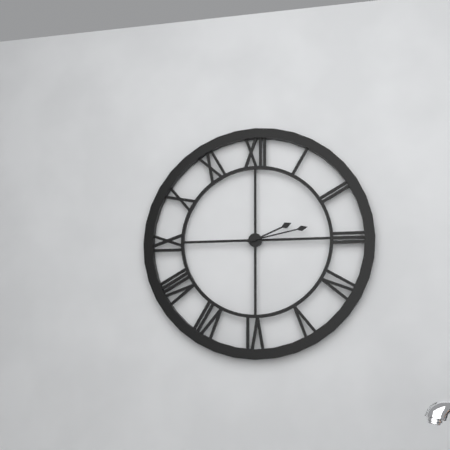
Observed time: 2:13
